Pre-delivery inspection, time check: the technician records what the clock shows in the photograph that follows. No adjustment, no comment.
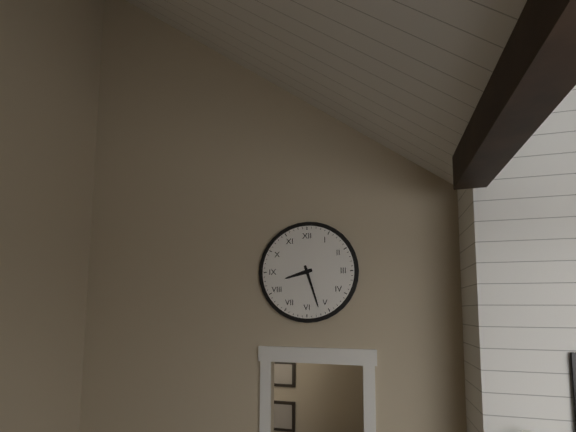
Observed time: 8:27
